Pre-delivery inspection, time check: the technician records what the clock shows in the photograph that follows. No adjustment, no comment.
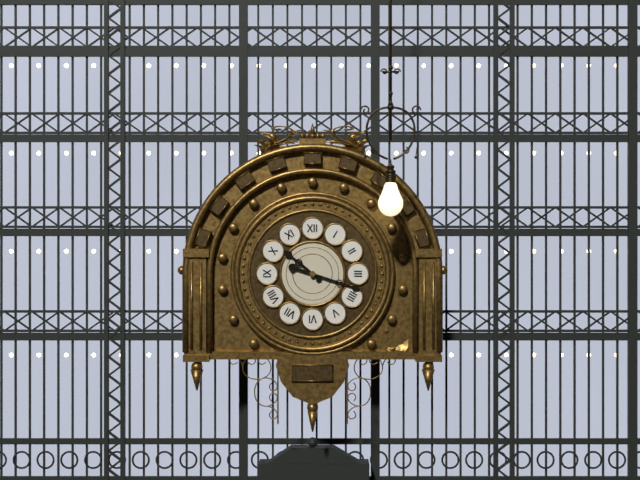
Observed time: 10:18
